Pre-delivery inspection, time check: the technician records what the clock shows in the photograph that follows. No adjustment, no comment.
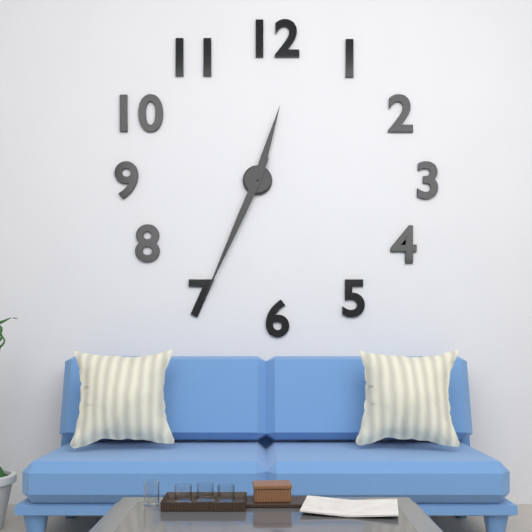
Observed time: 12:34
